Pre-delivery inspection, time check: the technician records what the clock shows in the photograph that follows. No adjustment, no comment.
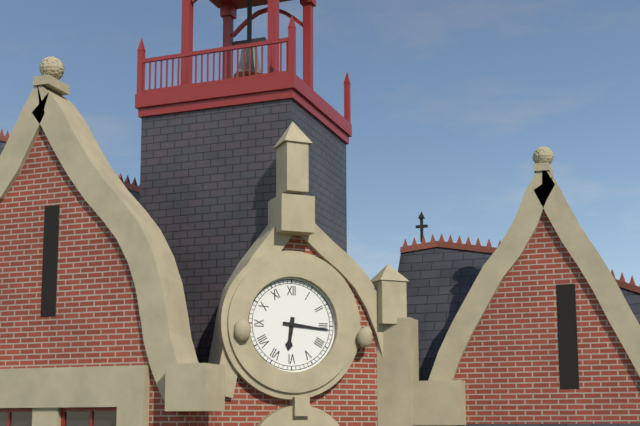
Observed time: 6:16
